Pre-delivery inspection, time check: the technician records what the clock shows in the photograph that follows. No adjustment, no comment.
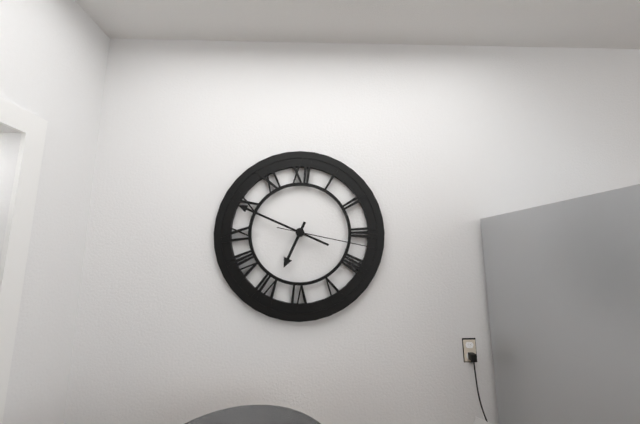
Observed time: 6:49:17
